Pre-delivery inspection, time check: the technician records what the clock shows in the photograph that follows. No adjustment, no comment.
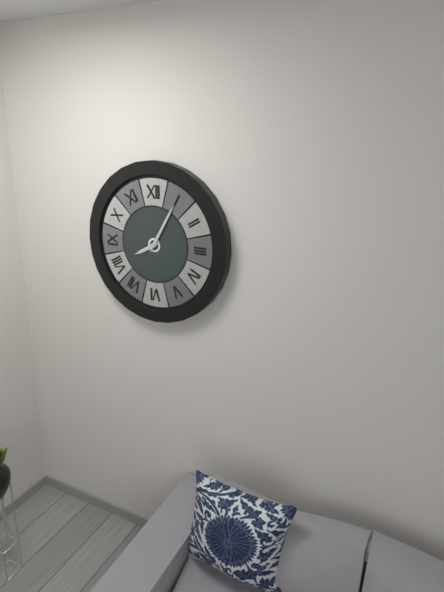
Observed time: 8:05
